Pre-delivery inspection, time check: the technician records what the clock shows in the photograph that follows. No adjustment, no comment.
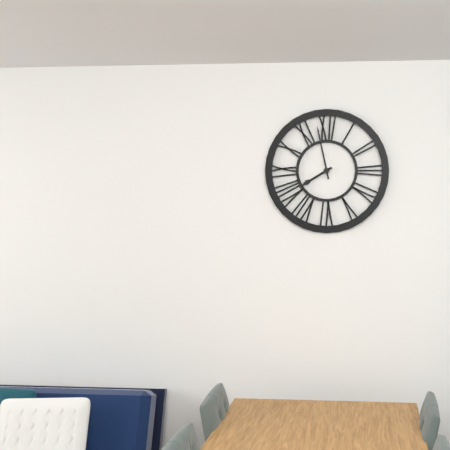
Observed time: 7:58
